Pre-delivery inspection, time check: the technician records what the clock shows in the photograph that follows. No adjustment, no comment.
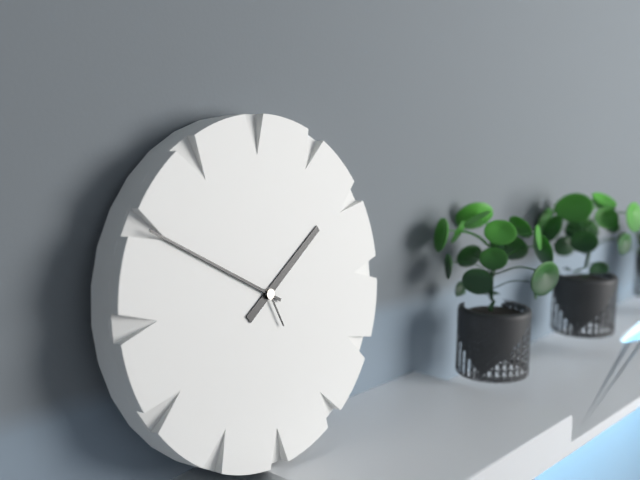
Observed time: 1:50
